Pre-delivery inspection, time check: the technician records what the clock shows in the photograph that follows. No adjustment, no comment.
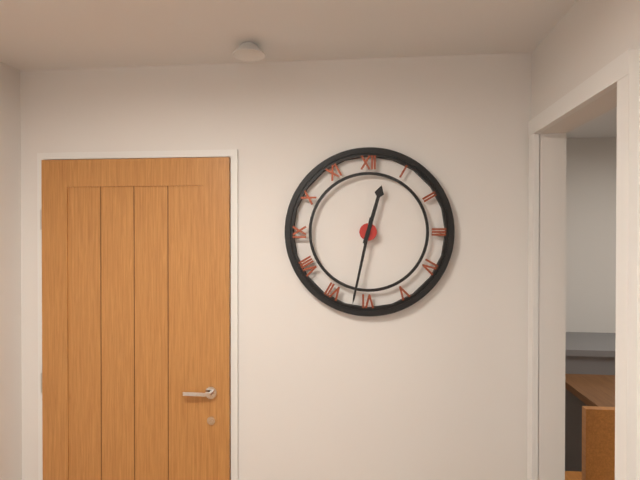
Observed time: 12:32
